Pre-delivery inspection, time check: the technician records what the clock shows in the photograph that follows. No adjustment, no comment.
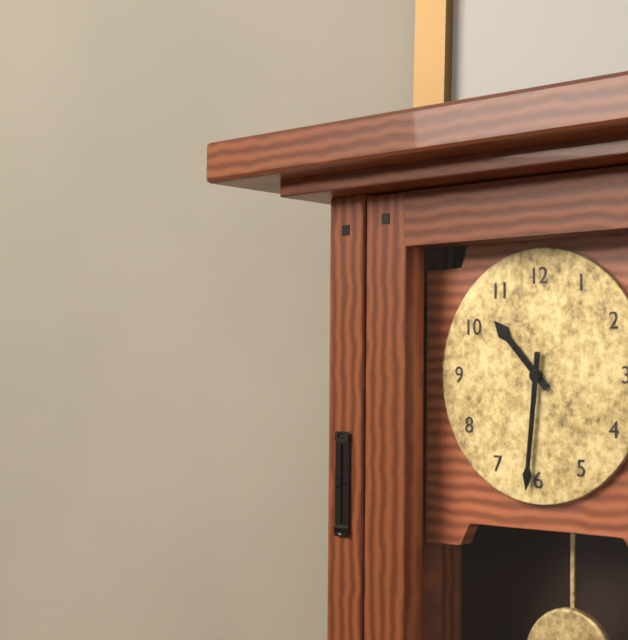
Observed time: 10:31
